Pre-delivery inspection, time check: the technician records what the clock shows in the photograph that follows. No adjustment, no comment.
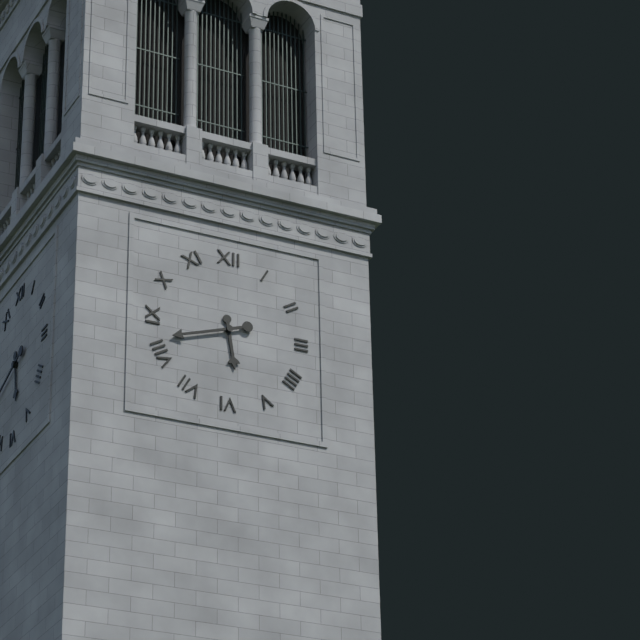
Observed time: 5:42
